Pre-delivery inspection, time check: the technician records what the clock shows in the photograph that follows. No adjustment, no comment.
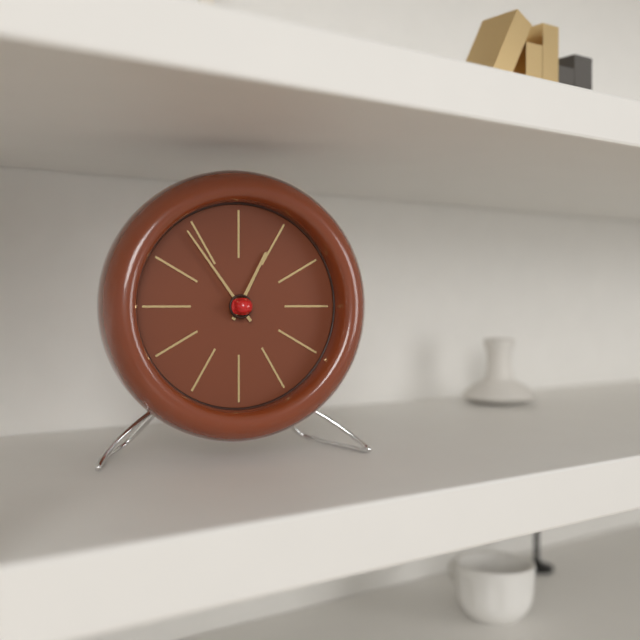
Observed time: 12:54
